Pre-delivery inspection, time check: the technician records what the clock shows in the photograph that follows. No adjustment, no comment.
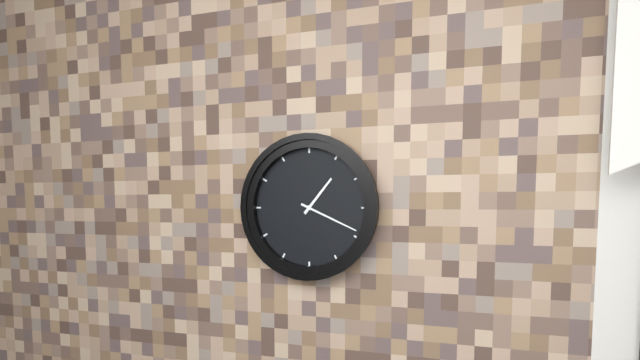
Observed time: 1:19
